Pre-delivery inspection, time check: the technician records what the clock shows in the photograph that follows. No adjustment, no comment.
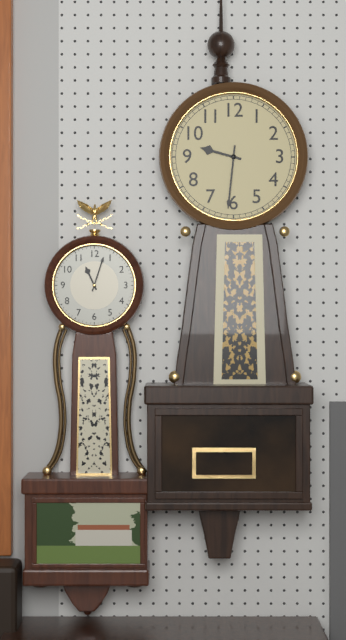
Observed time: 9:31
